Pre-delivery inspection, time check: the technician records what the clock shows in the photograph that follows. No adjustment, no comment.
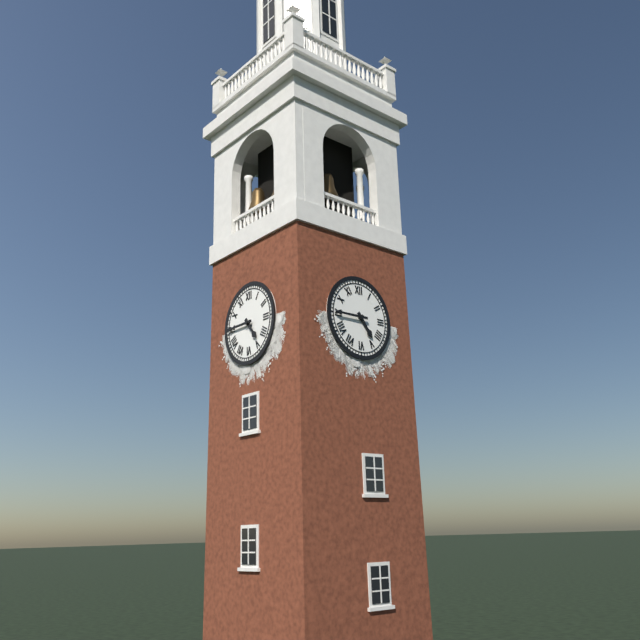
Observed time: 4:45
